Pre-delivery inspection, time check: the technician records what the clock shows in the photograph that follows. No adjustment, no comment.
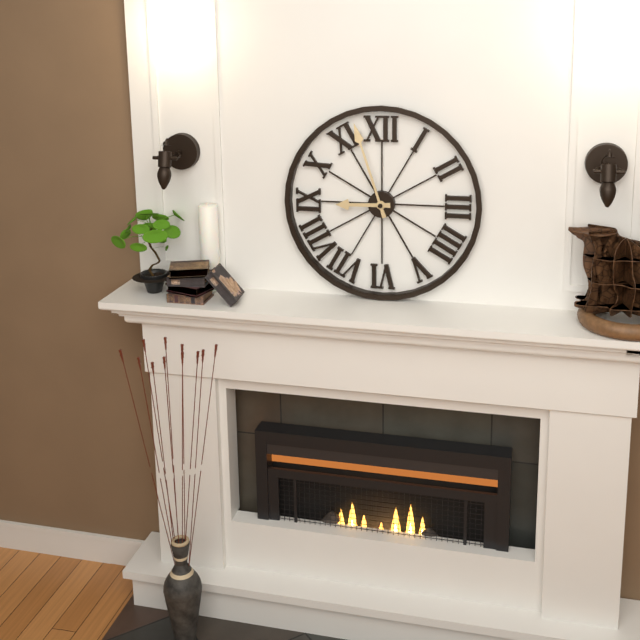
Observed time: 8:57
